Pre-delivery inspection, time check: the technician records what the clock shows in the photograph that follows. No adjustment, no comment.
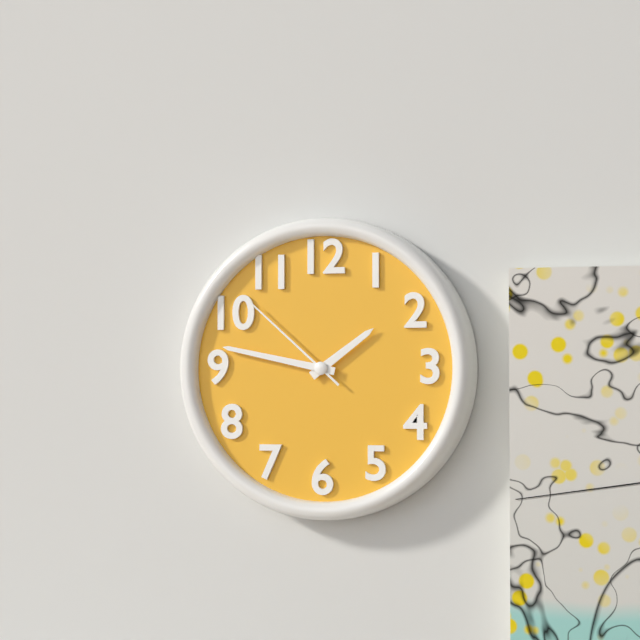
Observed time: 1:47:52
